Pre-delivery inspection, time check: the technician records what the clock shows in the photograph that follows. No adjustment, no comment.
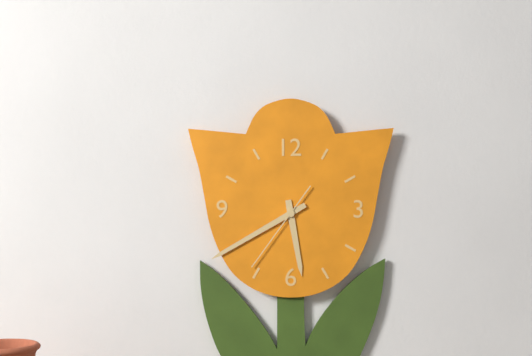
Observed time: 5:40:36
